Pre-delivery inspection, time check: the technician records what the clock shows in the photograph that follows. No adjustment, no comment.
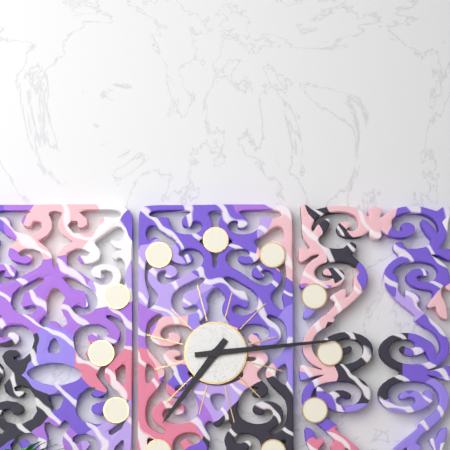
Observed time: 7:14
